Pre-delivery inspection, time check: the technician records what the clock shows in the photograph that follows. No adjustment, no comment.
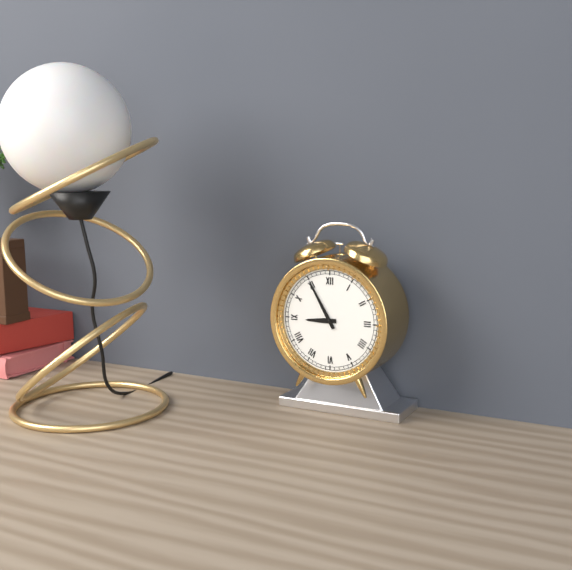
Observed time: 8:55
